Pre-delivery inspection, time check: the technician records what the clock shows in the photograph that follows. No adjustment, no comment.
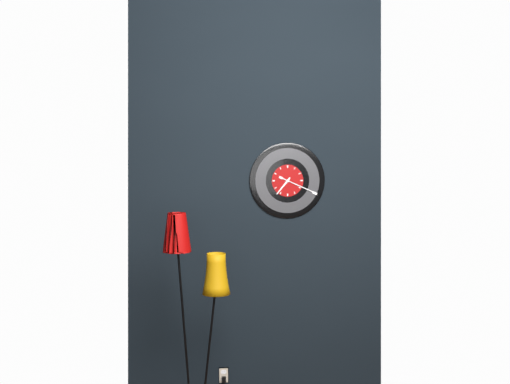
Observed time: 7:19
